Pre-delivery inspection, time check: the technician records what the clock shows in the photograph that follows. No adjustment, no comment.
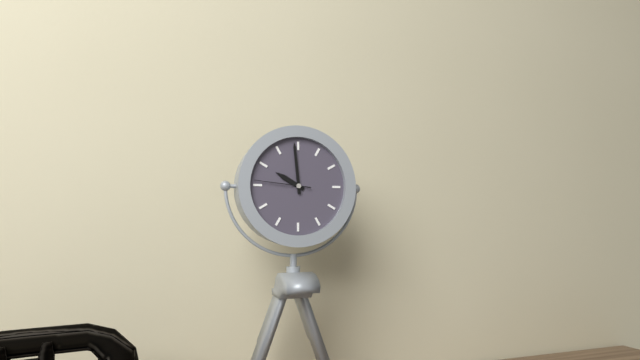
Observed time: 9:59:46
